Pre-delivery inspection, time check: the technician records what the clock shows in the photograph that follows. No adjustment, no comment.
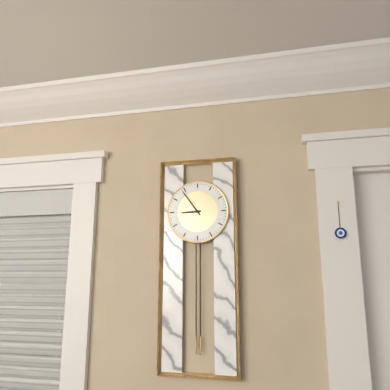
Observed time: 8:54
